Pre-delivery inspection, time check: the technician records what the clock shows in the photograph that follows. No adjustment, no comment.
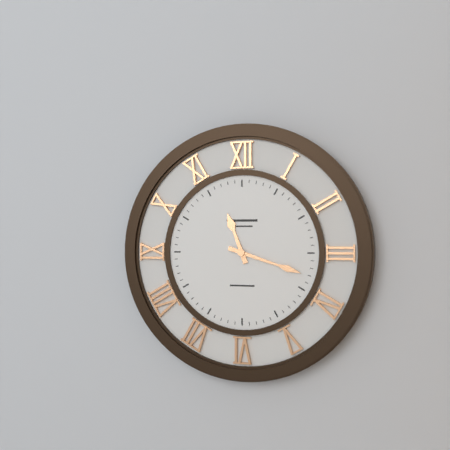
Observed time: 11:18
